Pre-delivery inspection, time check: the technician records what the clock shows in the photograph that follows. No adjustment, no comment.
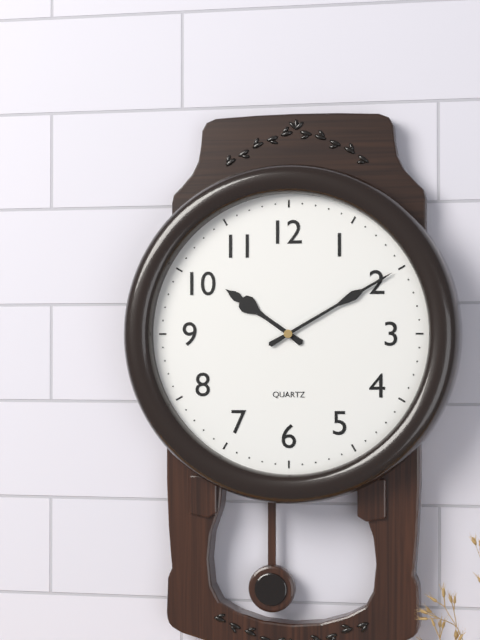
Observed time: 10:10
